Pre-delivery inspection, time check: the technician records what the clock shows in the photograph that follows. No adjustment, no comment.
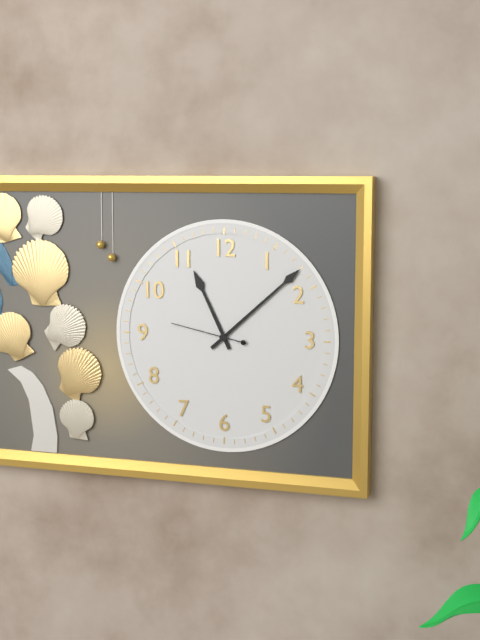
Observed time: 11:08:47
